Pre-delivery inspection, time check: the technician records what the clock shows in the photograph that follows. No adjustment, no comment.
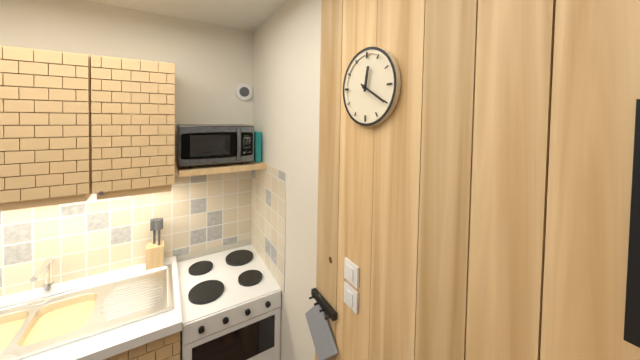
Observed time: 12:20
